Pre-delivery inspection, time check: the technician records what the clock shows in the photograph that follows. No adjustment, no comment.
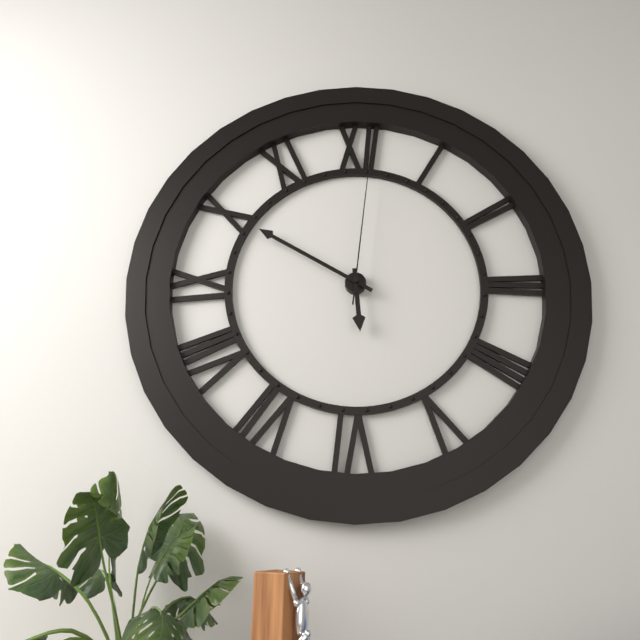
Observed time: 5:50:01
